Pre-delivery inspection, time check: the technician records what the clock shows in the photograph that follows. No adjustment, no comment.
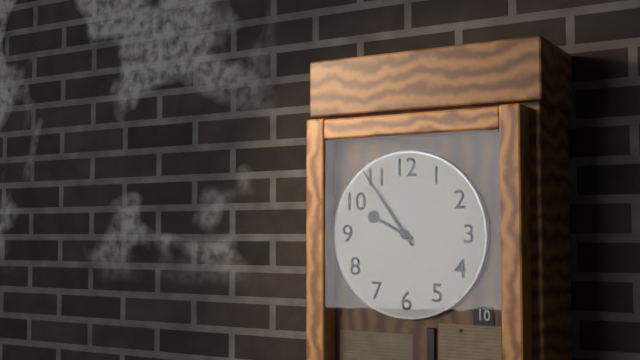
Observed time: 9:54
